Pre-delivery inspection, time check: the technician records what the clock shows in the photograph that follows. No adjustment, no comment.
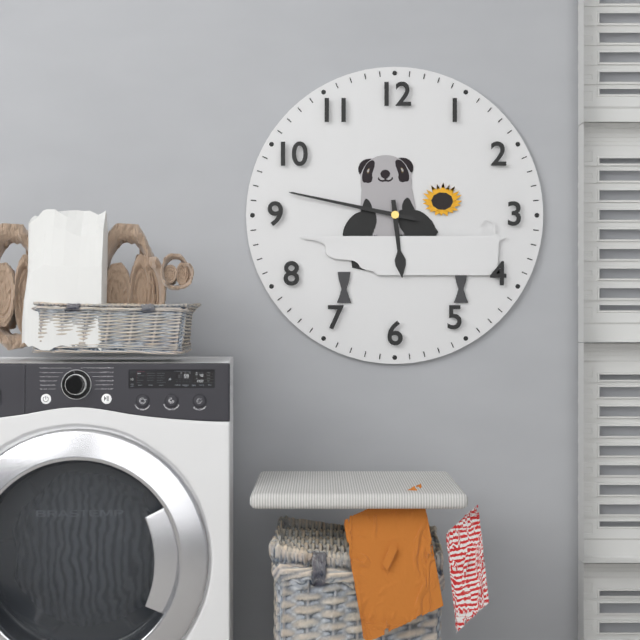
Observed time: 5:47
